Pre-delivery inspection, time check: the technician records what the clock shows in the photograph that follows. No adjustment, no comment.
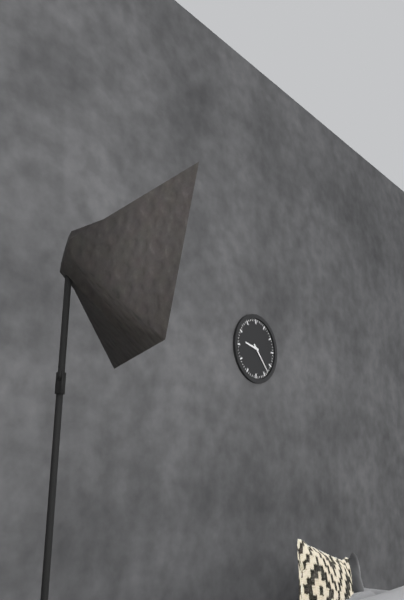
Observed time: 9:23
